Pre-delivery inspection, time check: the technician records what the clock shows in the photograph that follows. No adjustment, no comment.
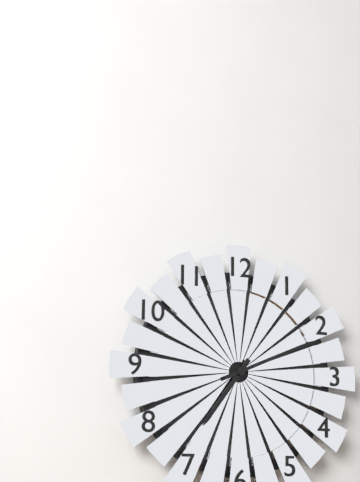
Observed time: 7:11
